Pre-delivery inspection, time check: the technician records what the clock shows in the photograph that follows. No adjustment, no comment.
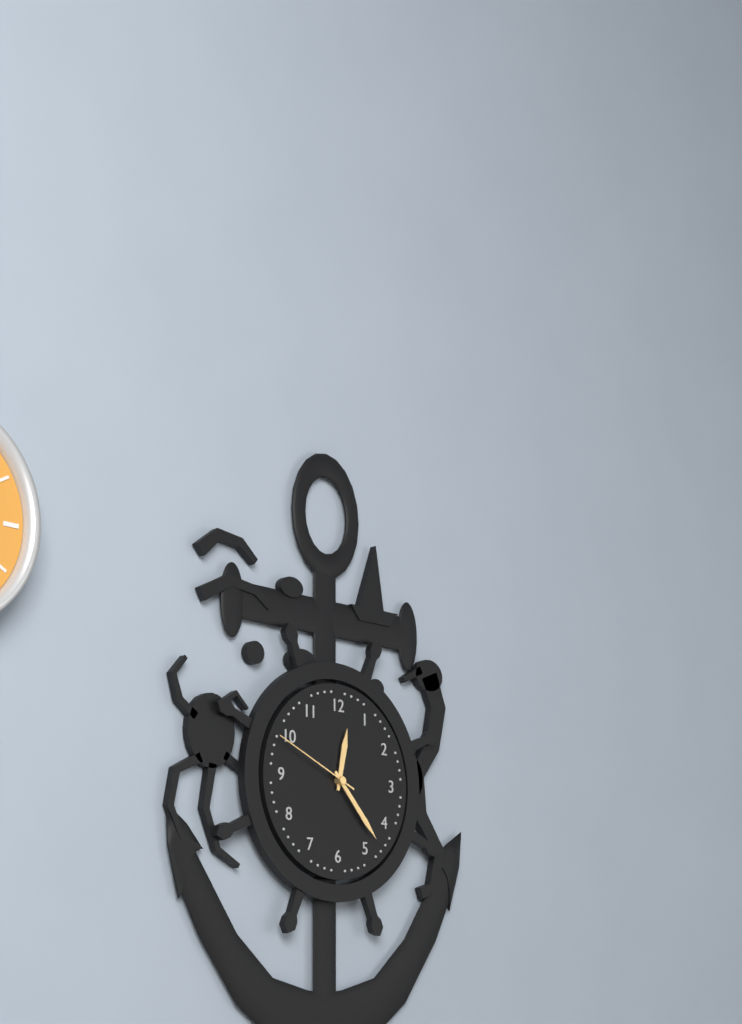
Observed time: 12:23:49
